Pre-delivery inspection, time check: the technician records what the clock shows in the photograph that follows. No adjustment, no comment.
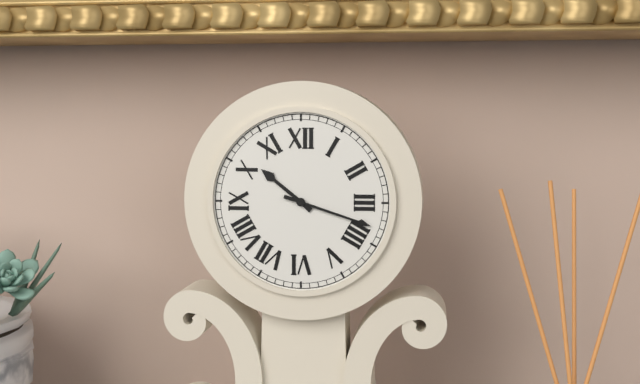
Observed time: 10:18
